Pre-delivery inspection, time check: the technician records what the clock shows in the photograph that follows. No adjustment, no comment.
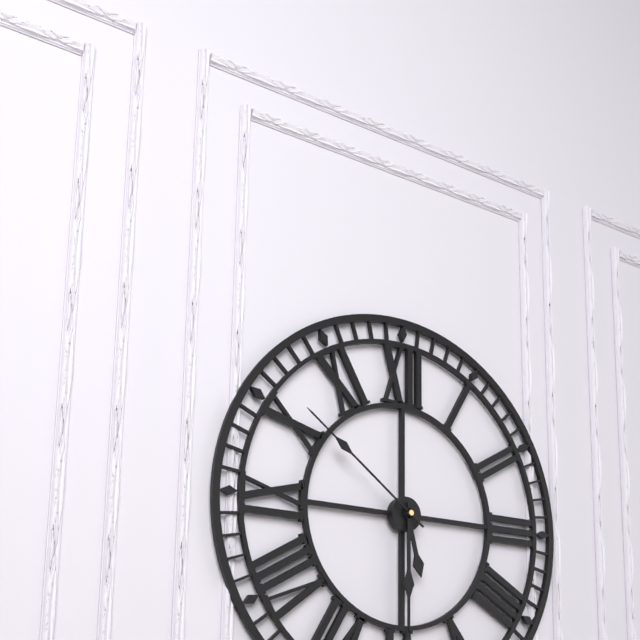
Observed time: 5:30:51
